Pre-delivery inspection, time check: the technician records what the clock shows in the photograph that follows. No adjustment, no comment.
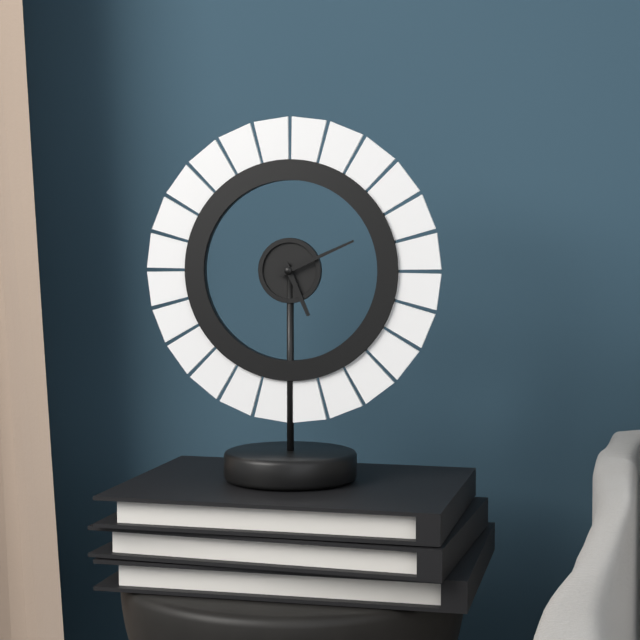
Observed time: 5:11
